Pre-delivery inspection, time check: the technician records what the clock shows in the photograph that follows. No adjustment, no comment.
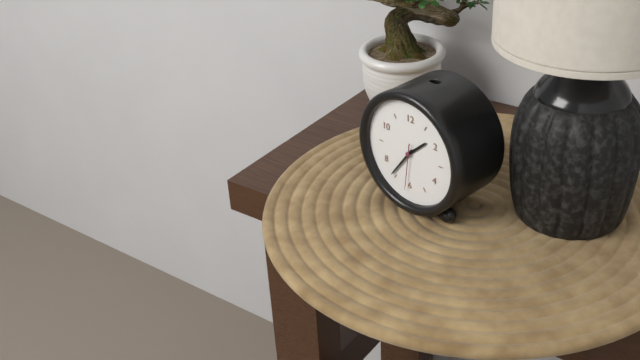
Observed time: 1:36
